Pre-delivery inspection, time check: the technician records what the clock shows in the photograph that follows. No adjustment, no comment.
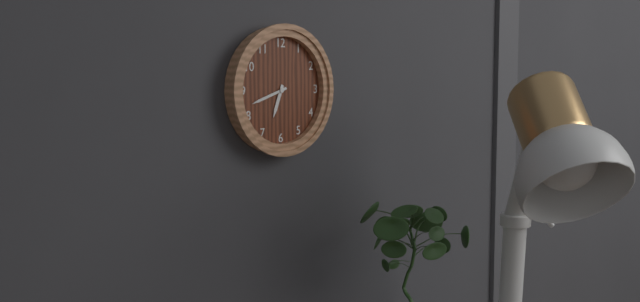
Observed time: 6:42
